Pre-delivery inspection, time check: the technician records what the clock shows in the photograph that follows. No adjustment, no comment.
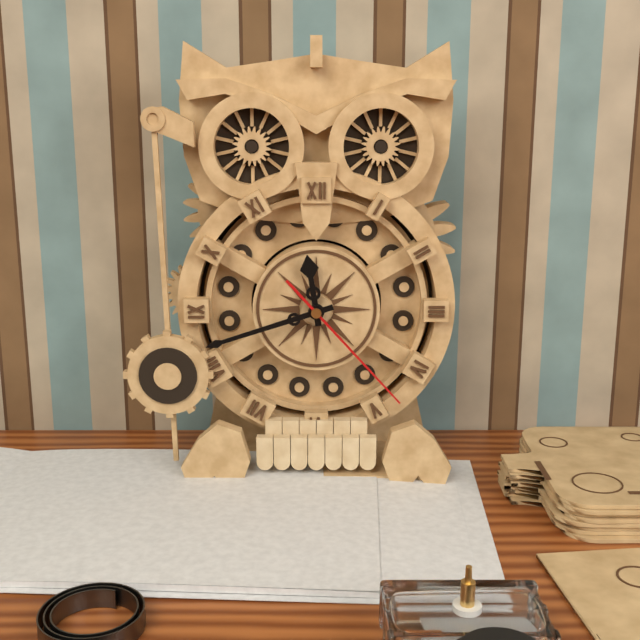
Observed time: 11:42:23
